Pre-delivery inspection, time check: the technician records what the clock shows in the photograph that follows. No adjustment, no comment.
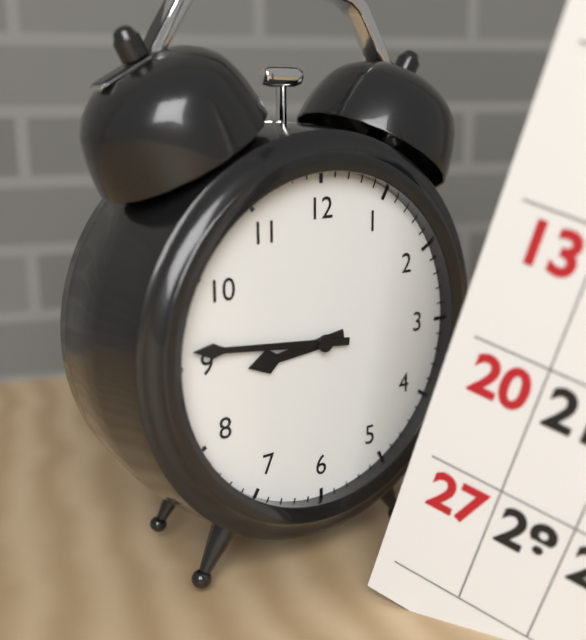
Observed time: 8:46
